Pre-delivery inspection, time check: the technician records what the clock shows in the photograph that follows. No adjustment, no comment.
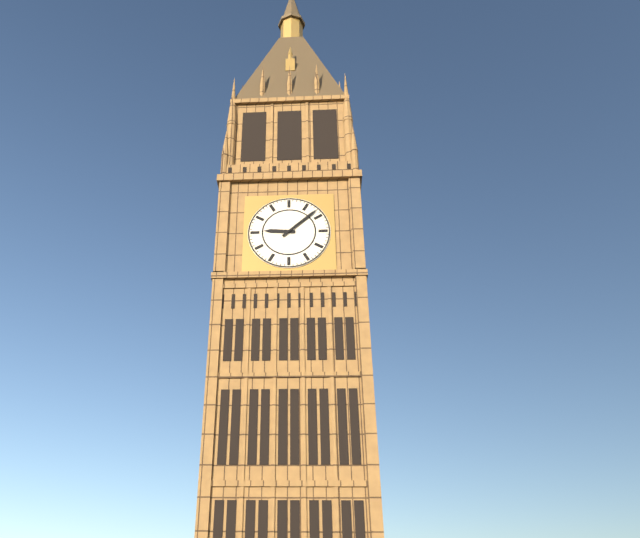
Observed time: 9:08
